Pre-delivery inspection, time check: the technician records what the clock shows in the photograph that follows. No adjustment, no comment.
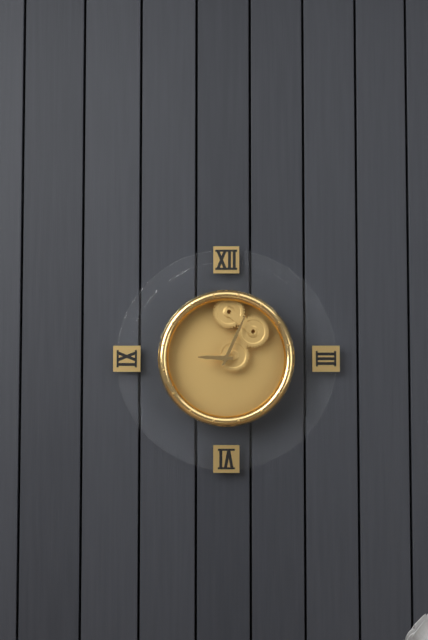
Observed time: 9:04
